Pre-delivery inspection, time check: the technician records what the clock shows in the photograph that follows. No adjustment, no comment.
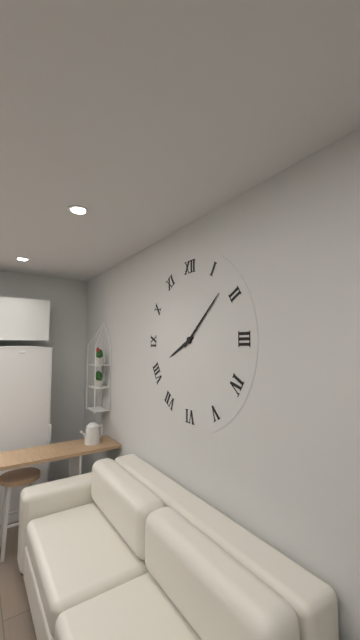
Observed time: 8:08
